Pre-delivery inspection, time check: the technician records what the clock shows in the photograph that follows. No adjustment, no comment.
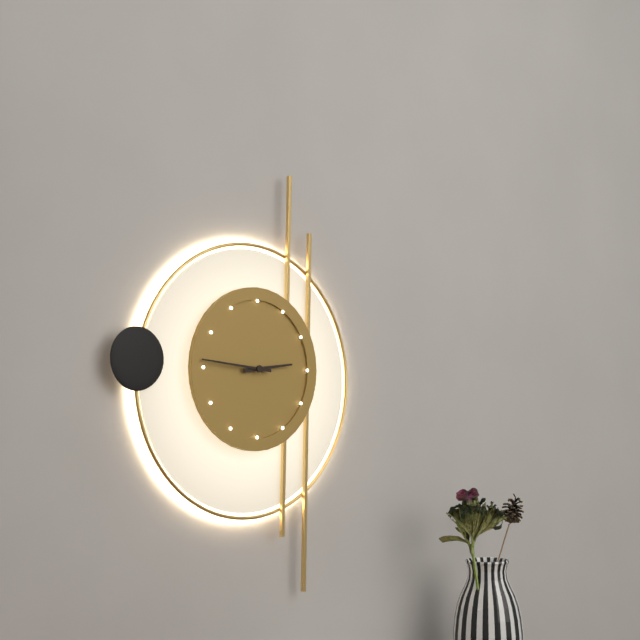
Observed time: 2:46
